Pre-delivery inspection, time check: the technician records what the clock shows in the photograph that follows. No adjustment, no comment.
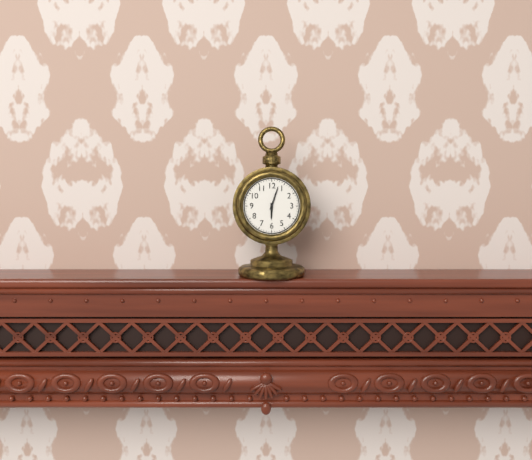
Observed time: 6:03
